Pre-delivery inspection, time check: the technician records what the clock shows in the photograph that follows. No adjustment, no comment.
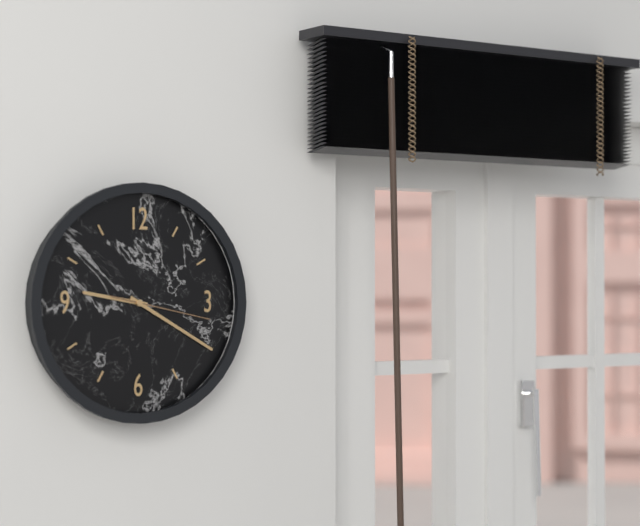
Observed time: 9:20:17
